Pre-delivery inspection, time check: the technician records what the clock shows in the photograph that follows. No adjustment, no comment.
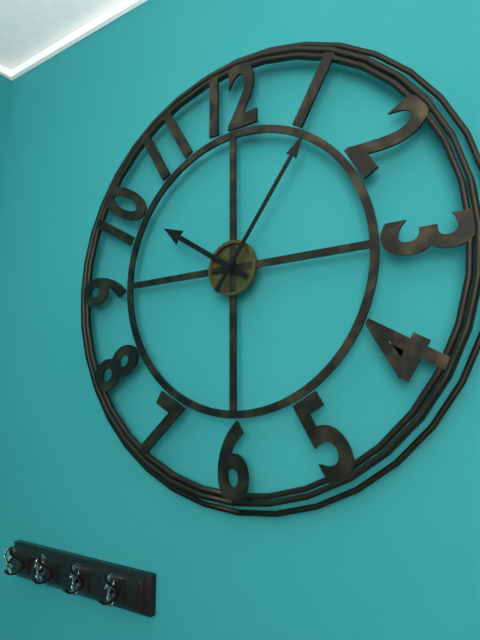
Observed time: 10:06
